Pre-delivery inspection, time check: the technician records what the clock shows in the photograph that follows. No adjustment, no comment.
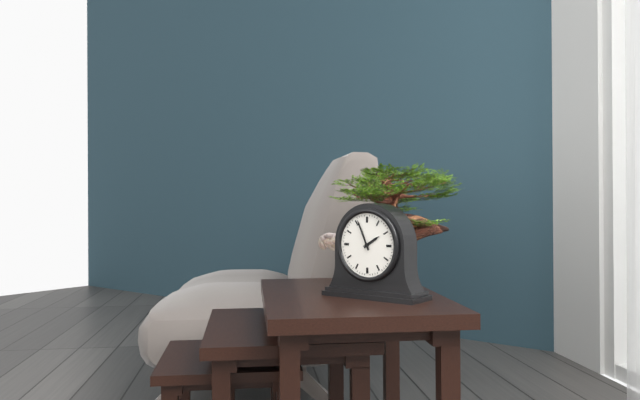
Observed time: 1:56
